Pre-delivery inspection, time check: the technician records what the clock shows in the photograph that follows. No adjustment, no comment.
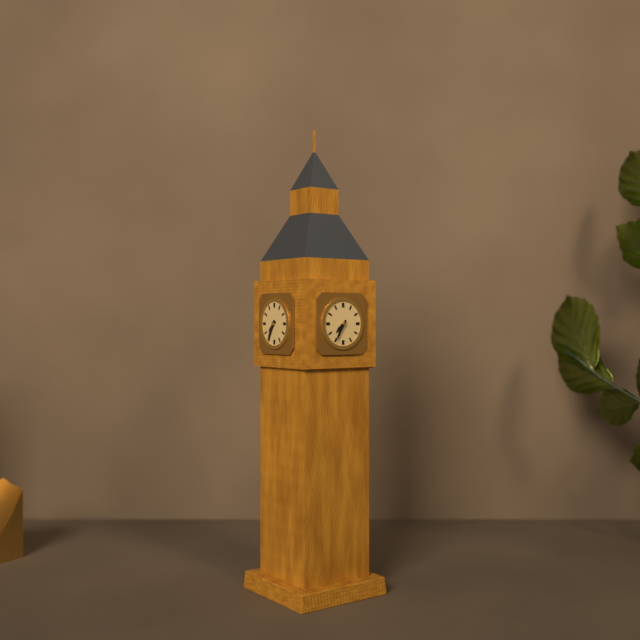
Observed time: 7:35
